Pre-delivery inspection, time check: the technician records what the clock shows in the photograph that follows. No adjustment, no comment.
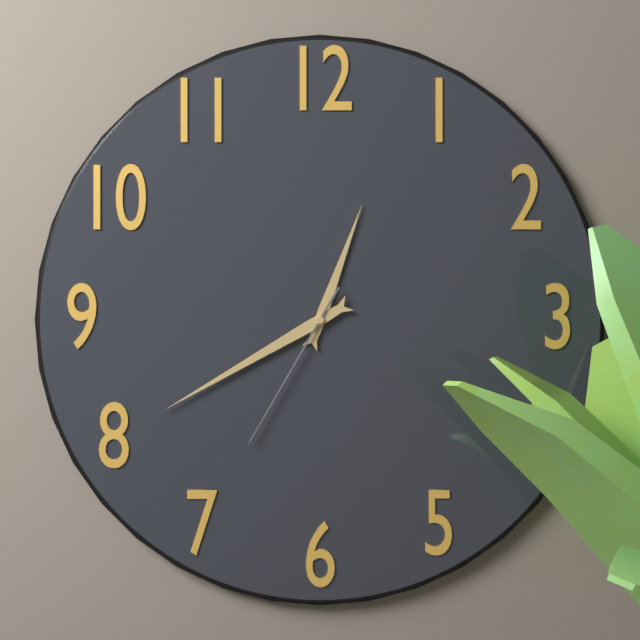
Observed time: 12:40:35
